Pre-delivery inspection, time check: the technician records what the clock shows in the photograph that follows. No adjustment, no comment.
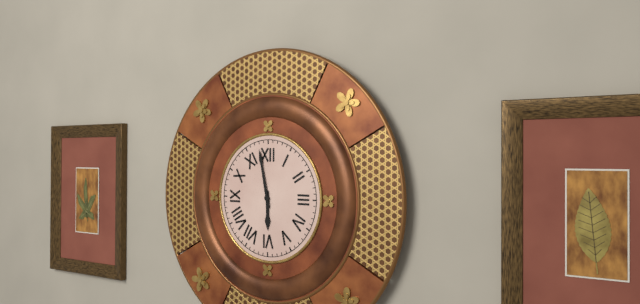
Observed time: 5:58
